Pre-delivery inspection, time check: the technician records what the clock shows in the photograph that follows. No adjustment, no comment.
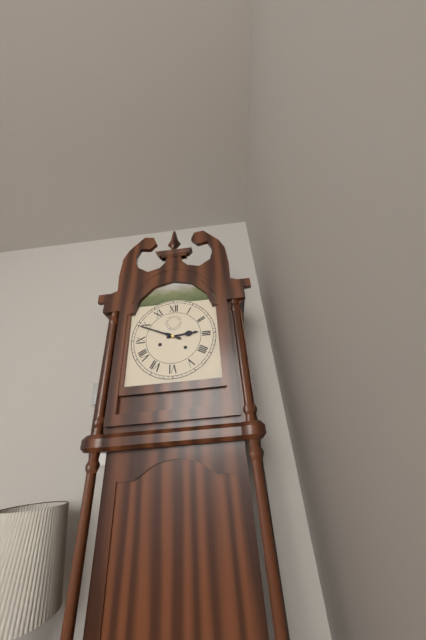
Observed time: 2:49
